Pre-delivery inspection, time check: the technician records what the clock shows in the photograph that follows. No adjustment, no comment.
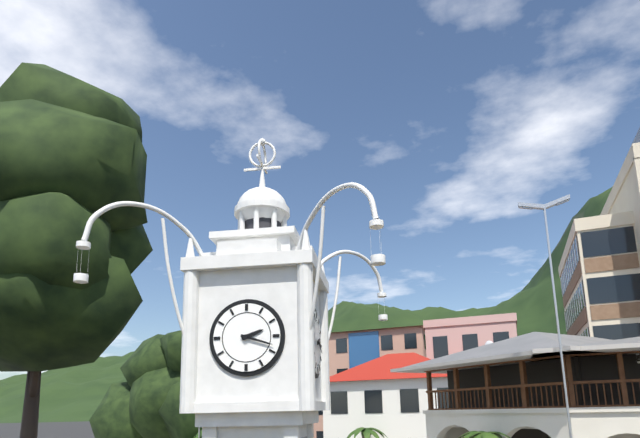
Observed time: 2:18
